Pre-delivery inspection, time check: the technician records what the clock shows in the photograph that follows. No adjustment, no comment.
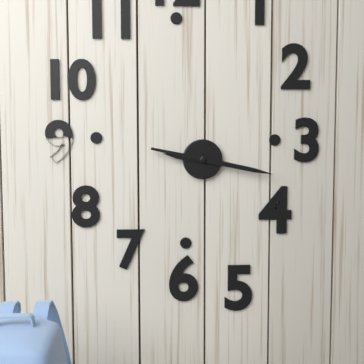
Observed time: 9:17
